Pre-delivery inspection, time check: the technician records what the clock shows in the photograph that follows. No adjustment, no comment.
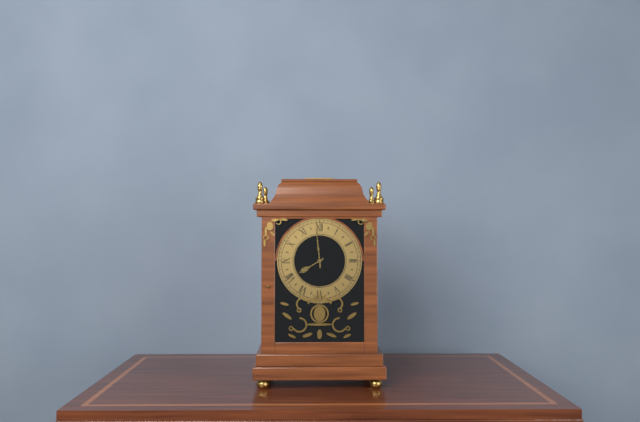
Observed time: 7:59
